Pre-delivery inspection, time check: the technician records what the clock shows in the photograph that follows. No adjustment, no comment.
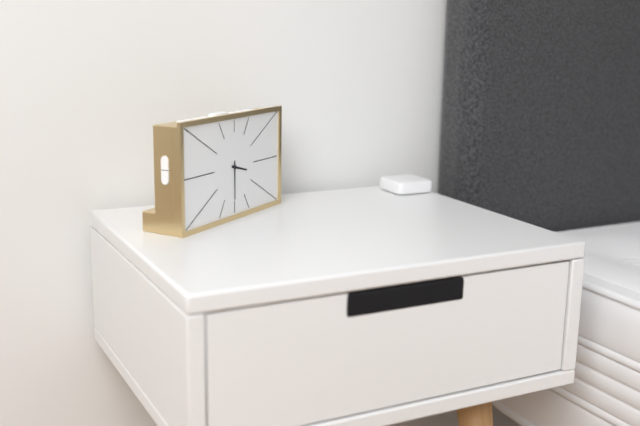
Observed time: 3:30
